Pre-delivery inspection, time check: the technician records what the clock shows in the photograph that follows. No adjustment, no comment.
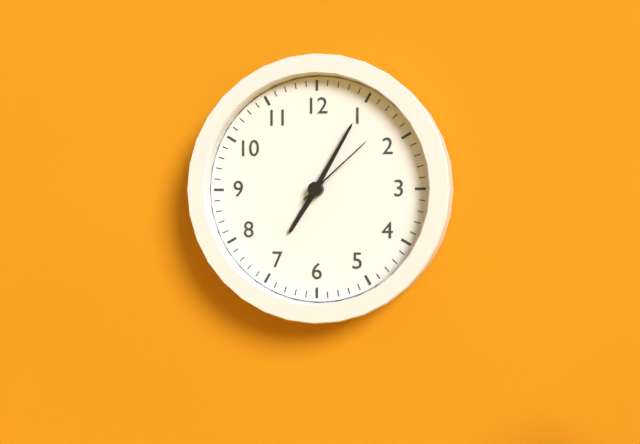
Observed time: 7:05:08
